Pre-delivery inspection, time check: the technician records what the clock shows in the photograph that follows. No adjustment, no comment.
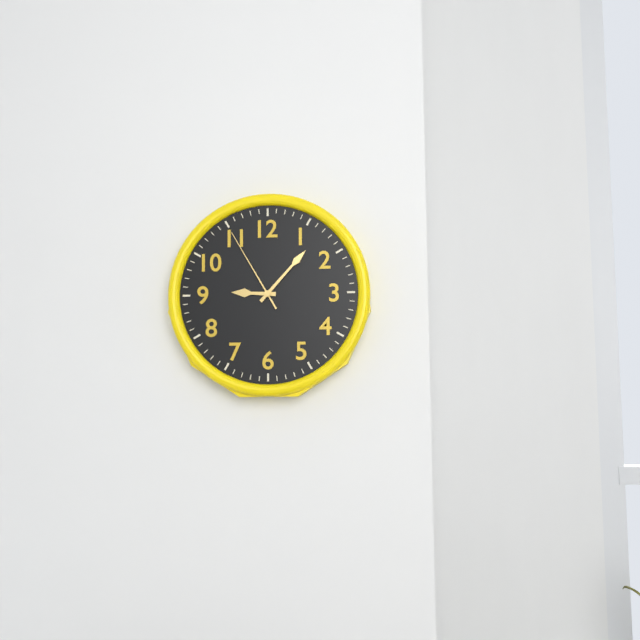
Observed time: 9:07:55
